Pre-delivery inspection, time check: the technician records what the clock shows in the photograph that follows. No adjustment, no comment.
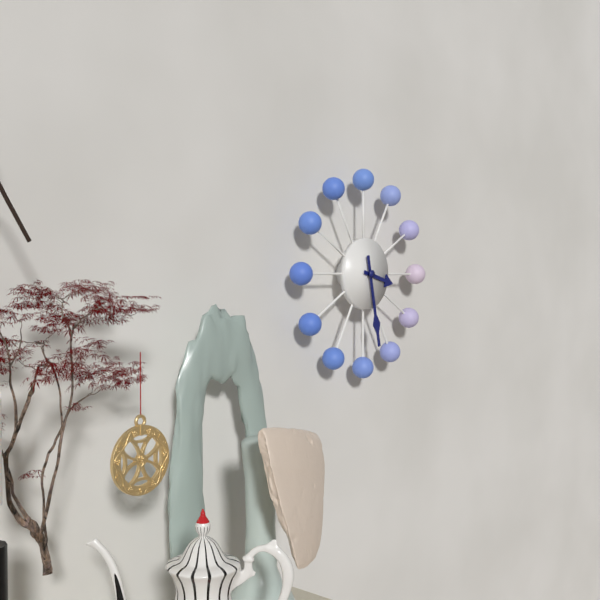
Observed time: 3:28
